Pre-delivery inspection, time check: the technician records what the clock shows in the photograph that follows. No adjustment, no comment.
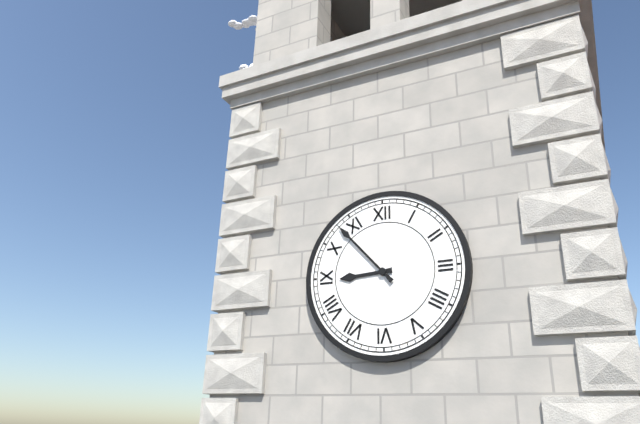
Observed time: 8:53
